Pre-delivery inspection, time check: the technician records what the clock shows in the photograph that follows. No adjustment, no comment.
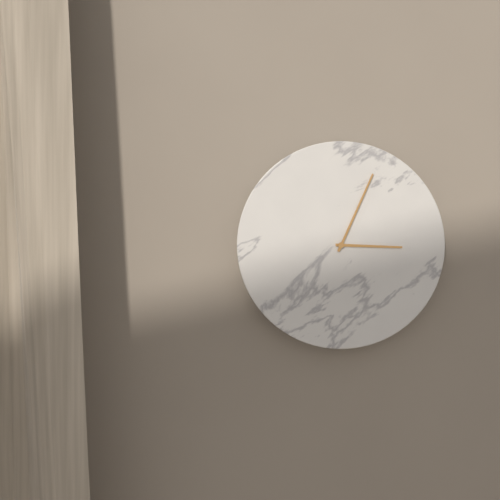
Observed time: 3:04
